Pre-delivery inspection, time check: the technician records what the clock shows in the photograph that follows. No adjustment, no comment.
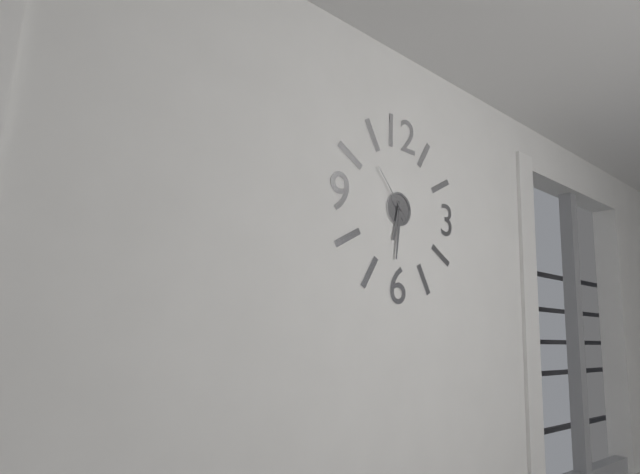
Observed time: 6:31:53
